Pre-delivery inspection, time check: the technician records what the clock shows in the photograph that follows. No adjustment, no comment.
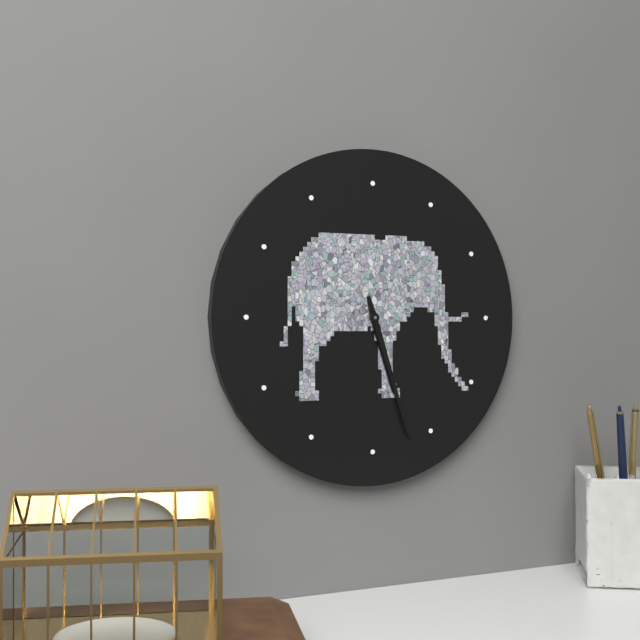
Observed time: 5:27
